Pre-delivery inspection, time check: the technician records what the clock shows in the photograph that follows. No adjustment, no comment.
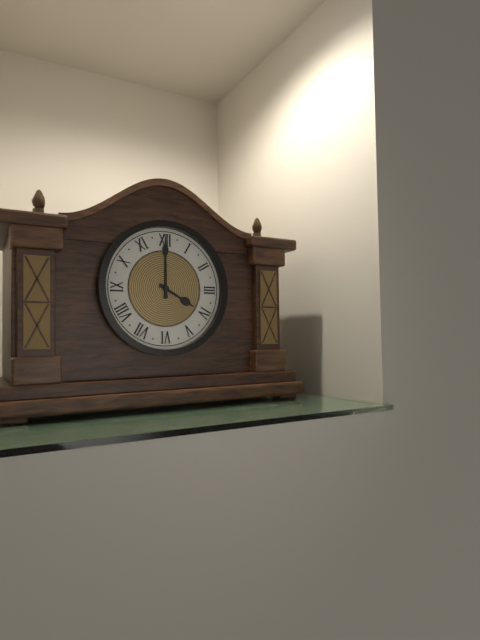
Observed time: 4:00
